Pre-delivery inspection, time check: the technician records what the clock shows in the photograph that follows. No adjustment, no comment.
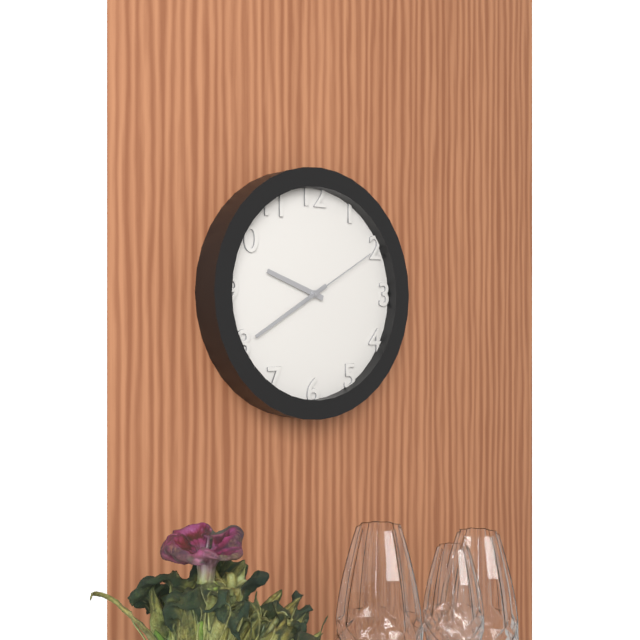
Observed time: 9:40:10
